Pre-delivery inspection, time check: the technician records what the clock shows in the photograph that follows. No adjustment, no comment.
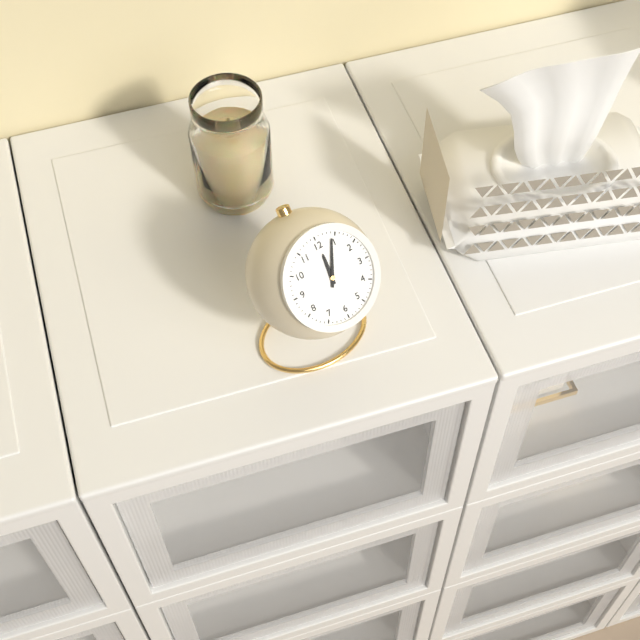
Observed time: 12:04
